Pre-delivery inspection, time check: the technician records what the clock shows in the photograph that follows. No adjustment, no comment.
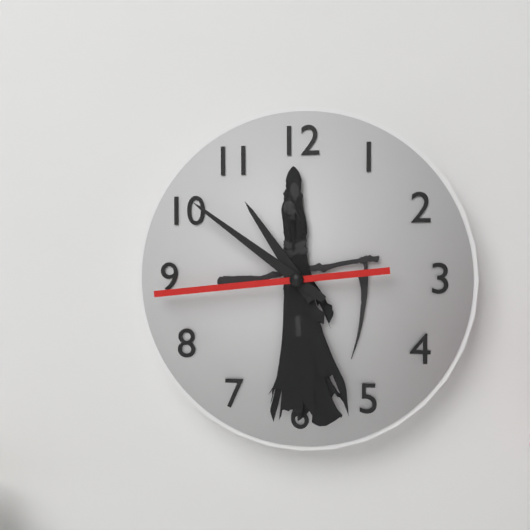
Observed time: 10:51:44
